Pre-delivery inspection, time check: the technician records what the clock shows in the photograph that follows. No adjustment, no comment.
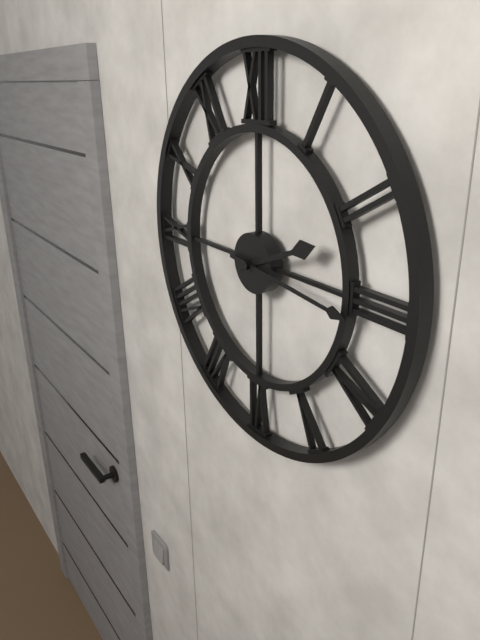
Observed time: 2:16
